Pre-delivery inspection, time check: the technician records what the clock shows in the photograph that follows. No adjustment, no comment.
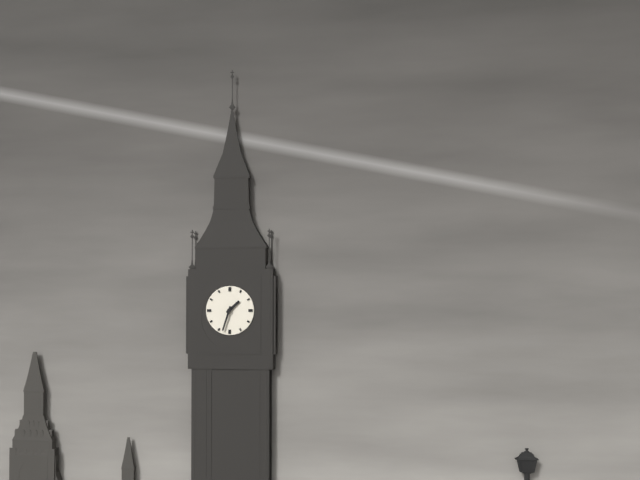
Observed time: 1:33
